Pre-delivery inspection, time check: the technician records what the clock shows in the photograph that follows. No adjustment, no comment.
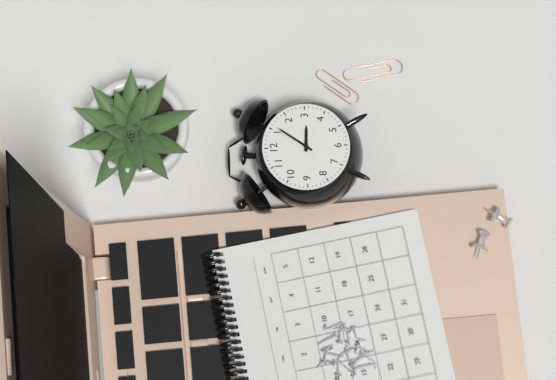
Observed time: 3:06
